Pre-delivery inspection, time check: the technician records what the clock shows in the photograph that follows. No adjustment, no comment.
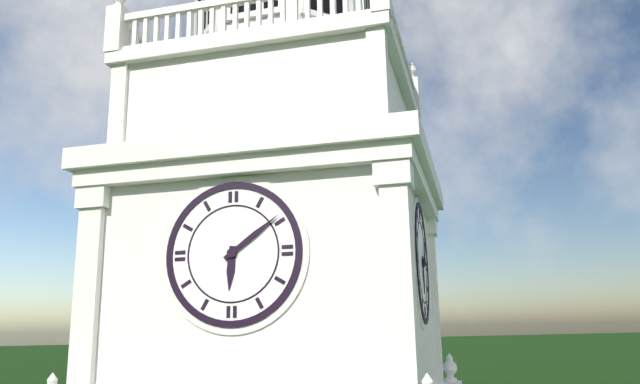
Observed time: 6:09
